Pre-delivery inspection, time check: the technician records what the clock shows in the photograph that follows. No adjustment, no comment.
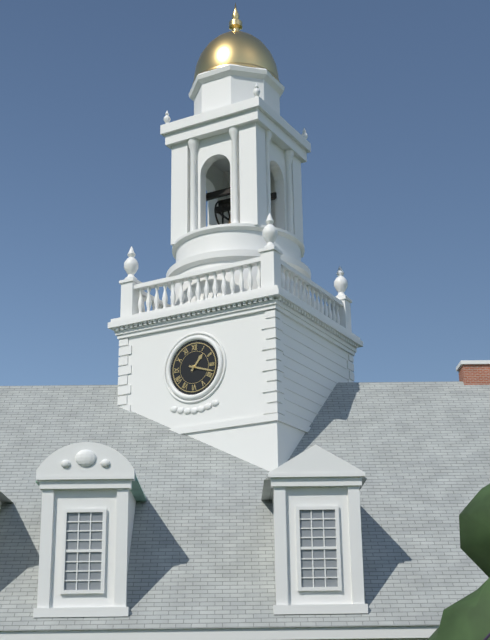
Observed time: 1:18
